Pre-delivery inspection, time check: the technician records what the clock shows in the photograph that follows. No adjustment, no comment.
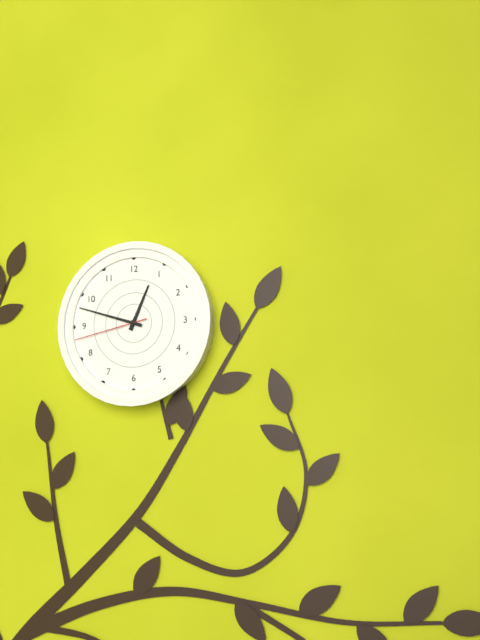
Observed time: 12:48:43
